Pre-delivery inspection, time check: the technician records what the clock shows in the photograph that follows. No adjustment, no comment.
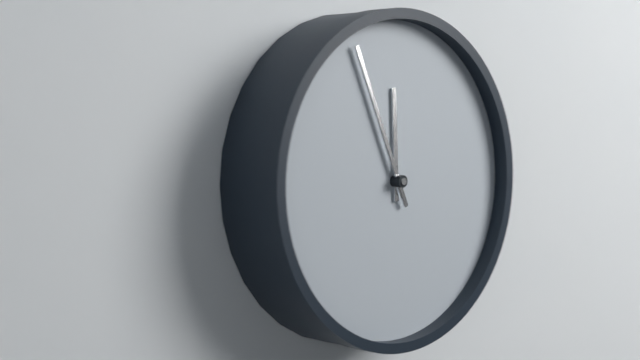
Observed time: 11:56
